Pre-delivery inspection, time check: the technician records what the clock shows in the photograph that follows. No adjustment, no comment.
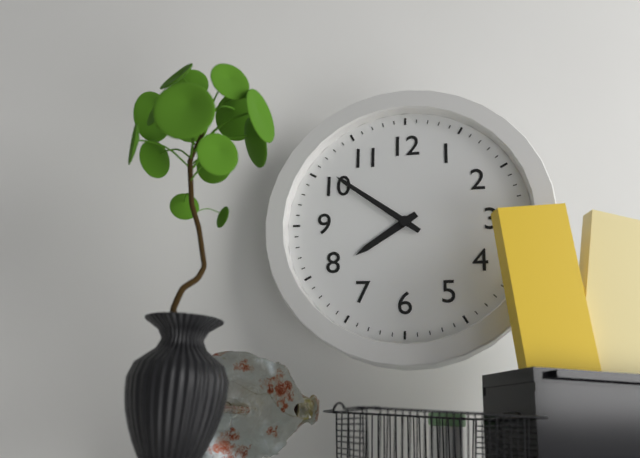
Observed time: 7:51
